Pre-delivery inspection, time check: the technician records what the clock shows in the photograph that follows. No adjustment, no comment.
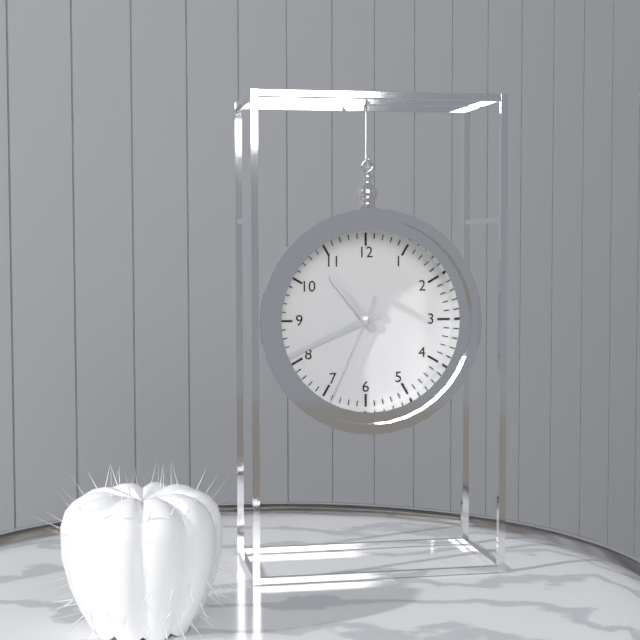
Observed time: 10:41:34
